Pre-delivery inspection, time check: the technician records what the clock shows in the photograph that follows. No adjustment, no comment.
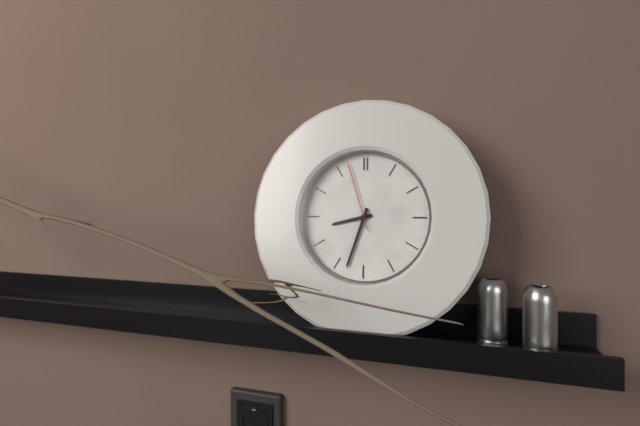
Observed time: 8:33:57
